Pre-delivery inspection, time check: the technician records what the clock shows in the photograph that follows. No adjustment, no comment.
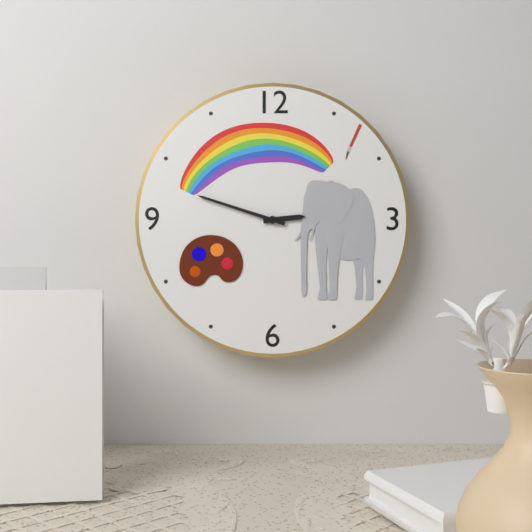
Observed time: 2:48
